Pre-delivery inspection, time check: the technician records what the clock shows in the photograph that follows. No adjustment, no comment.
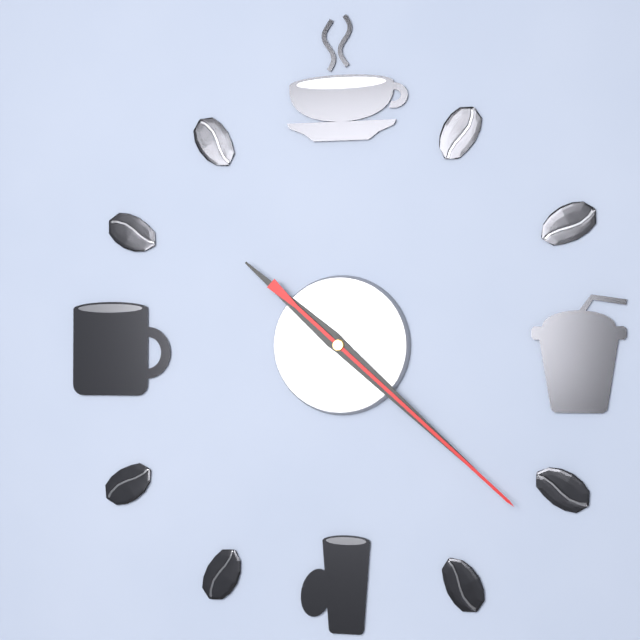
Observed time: 10:22:22
